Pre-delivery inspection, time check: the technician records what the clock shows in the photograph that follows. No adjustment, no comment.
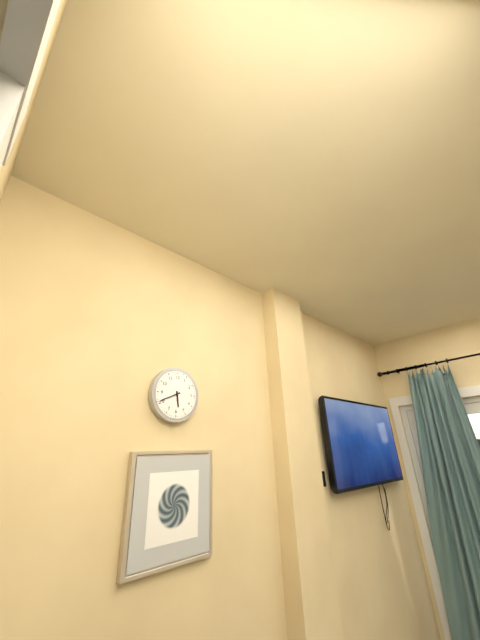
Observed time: 5:41
